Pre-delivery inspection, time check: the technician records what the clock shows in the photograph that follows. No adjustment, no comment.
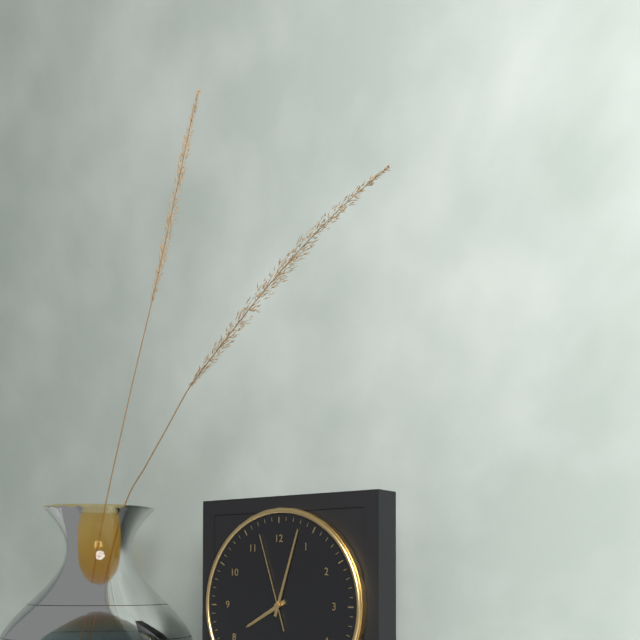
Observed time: 8:03:57
